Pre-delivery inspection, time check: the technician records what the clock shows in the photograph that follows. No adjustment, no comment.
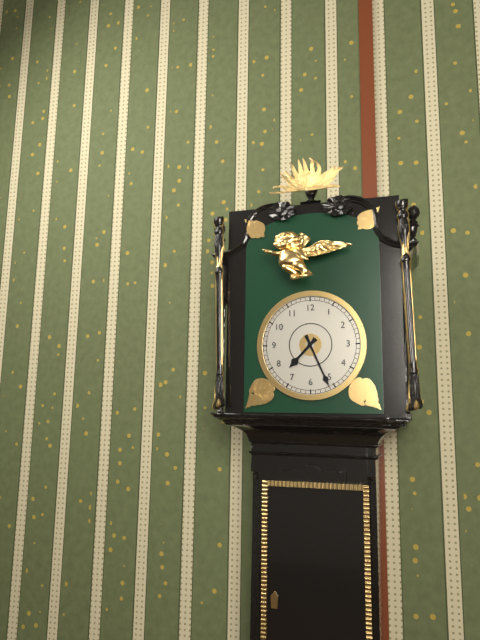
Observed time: 7:26
